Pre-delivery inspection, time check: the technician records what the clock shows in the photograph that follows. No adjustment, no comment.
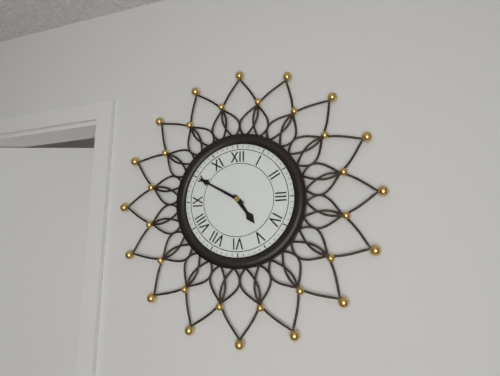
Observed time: 4:50
